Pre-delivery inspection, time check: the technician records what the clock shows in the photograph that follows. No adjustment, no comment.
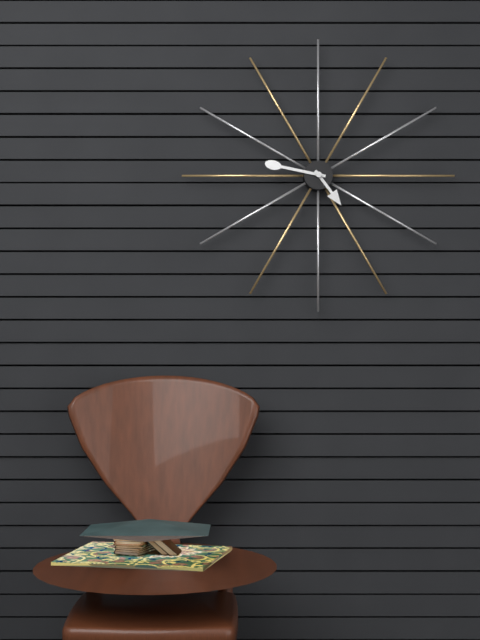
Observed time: 4:47
